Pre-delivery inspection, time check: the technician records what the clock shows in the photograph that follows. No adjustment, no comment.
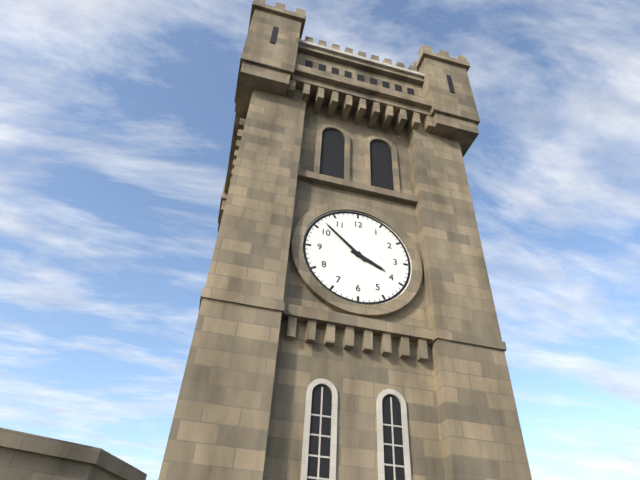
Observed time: 3:52
